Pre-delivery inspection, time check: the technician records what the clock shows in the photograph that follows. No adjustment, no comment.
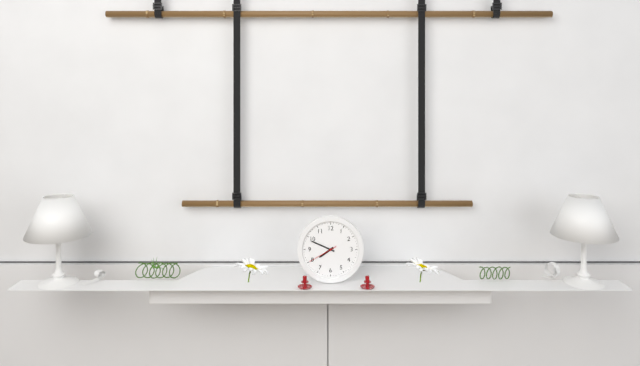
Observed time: 7:49
